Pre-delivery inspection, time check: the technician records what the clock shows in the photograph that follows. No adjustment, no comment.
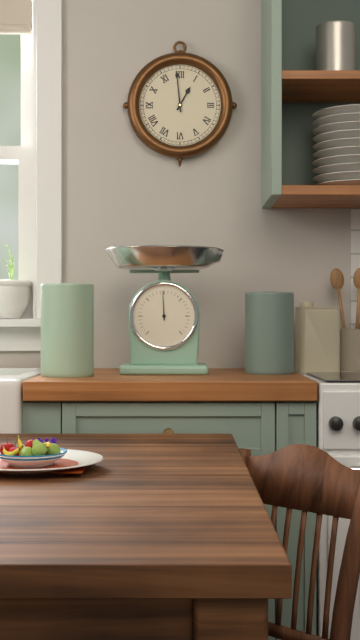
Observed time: 12:59
